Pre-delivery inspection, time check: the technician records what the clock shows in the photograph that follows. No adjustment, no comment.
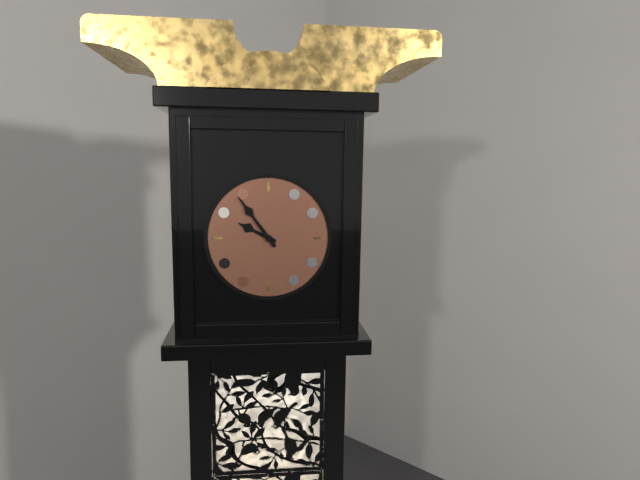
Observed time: 9:54
